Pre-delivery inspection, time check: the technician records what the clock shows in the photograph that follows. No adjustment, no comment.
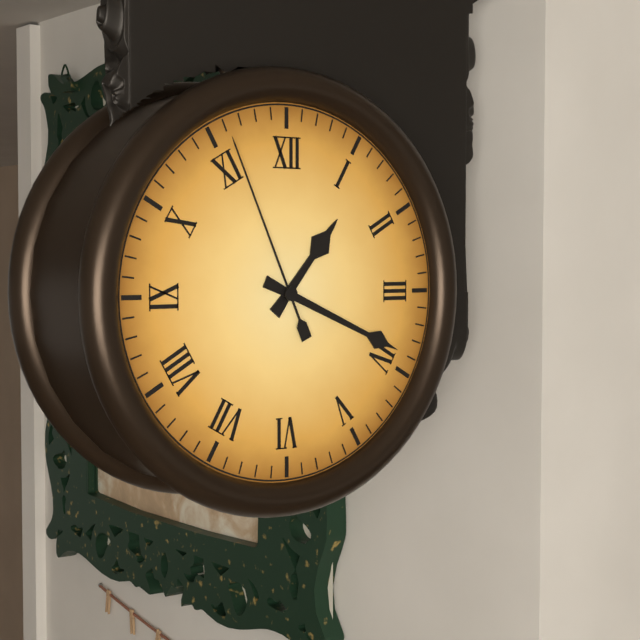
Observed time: 1:19:56
